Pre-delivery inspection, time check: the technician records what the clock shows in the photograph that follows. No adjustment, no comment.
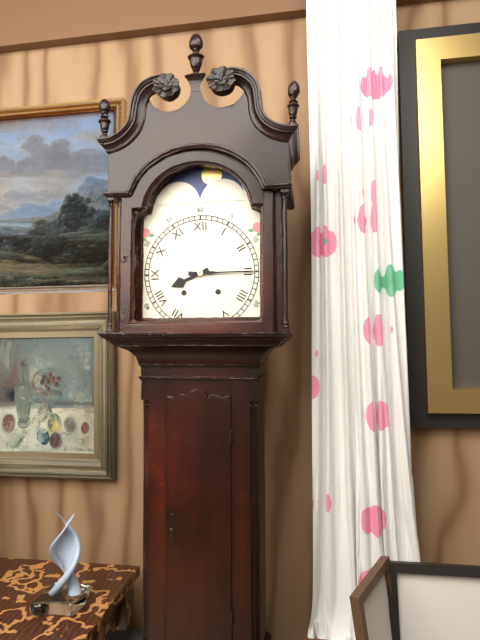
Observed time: 8:15
